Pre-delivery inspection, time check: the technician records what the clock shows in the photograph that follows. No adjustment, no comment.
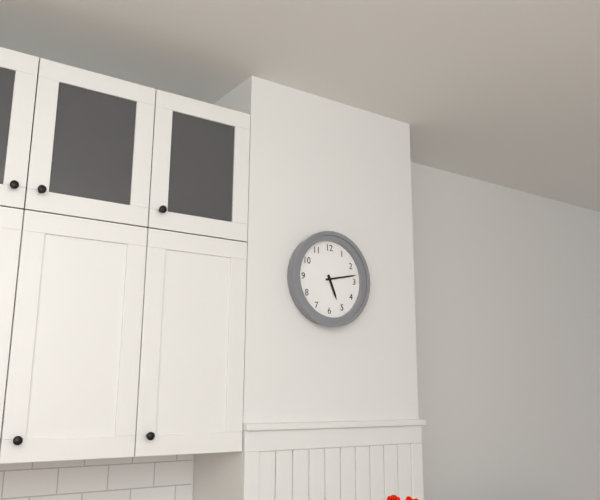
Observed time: 5:13
